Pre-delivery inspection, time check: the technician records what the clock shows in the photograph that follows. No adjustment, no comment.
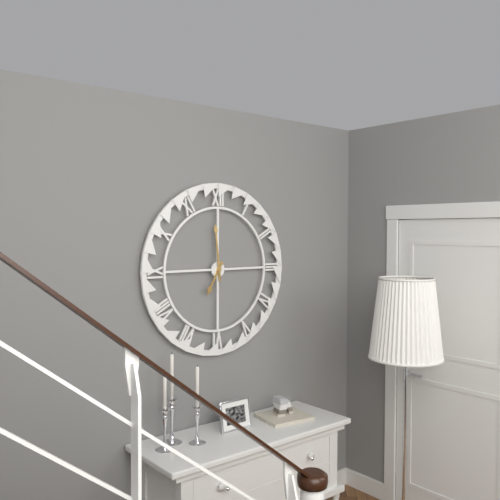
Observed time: 6:59
